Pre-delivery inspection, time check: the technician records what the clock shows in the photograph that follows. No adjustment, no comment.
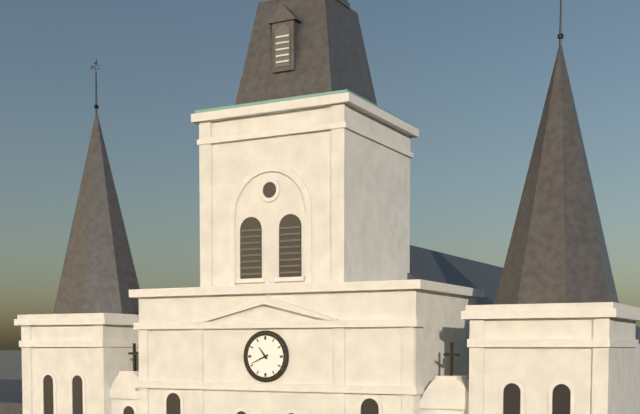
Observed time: 10:41
